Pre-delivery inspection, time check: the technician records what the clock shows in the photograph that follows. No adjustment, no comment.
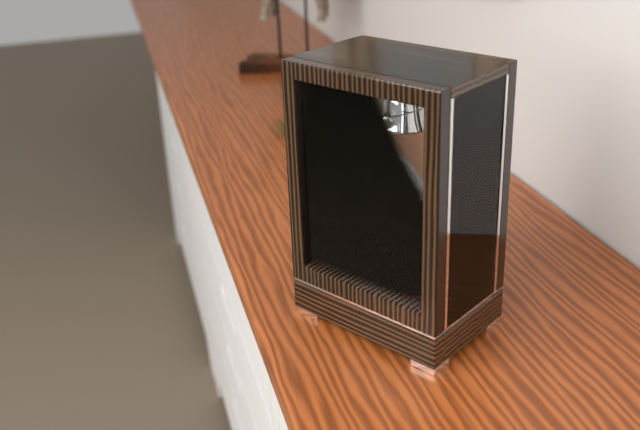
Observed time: 11:29
